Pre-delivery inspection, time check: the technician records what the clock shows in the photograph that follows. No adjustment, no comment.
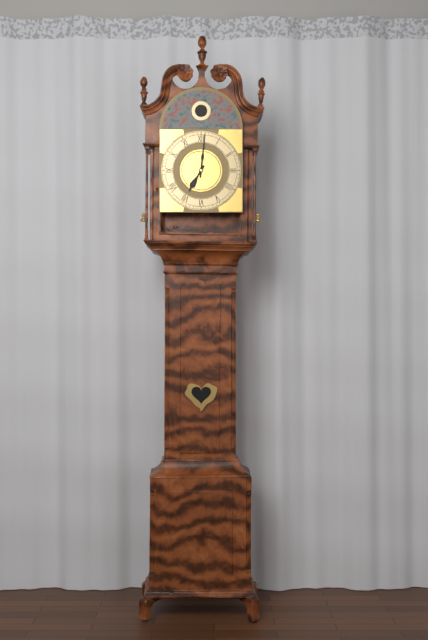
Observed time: 7:01
